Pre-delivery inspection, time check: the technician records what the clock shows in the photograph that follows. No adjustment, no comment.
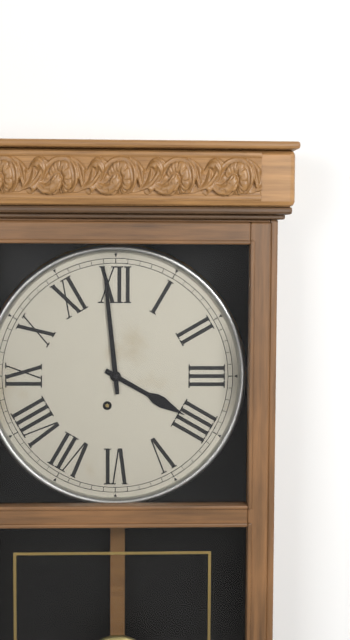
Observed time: 3:59
